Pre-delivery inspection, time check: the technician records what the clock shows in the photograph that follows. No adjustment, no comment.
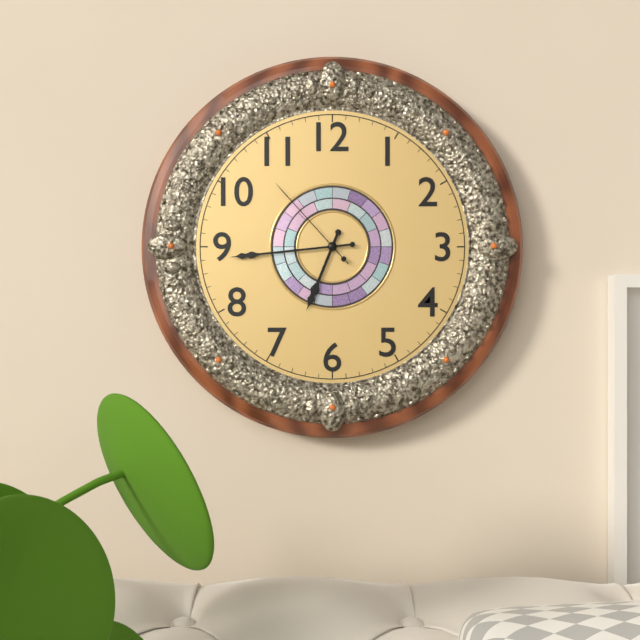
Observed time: 6:44:53
